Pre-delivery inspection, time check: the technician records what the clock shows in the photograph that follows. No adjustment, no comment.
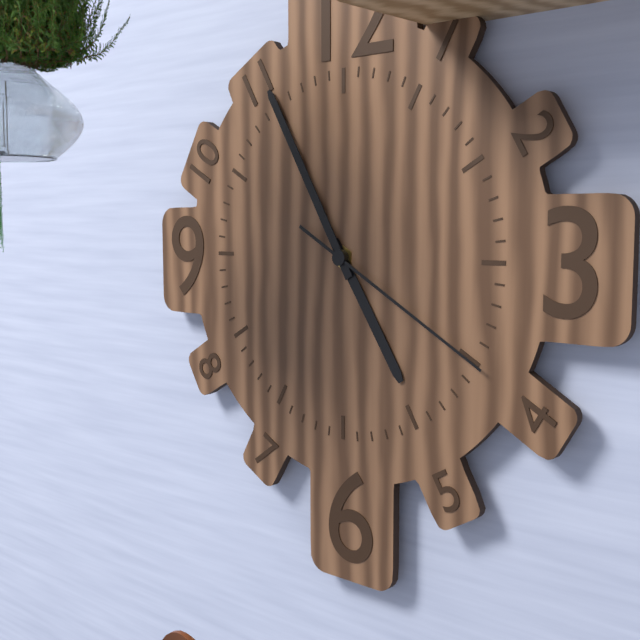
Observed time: 4:55:20
